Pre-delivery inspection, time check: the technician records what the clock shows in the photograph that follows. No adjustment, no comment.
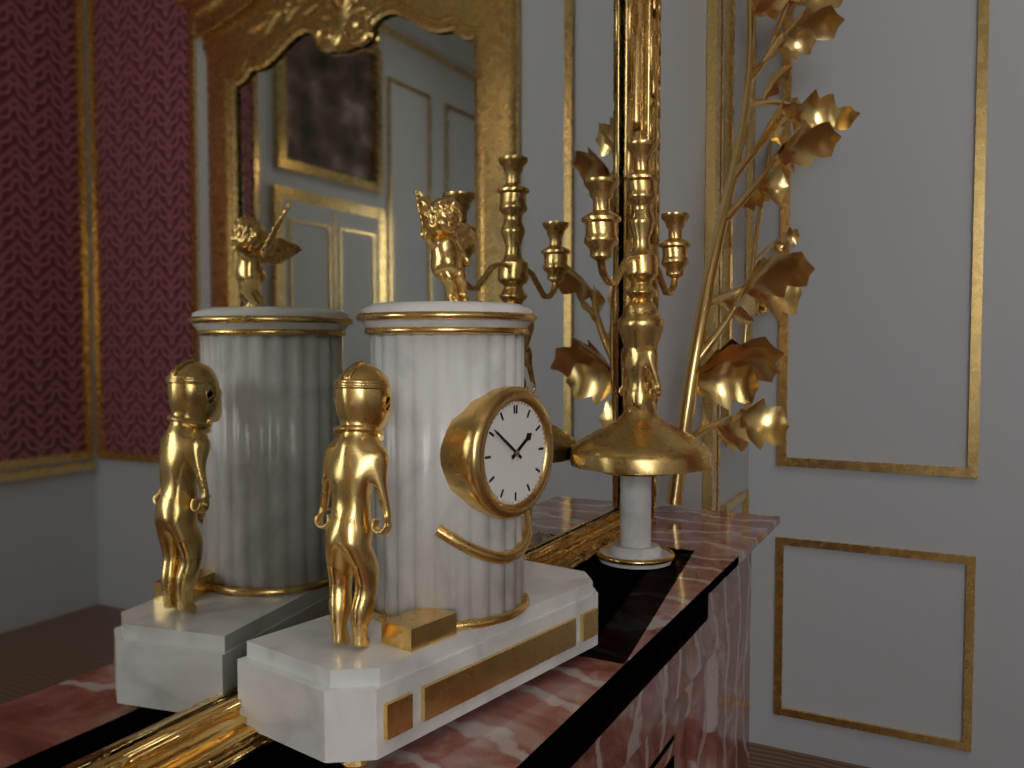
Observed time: 1:51
